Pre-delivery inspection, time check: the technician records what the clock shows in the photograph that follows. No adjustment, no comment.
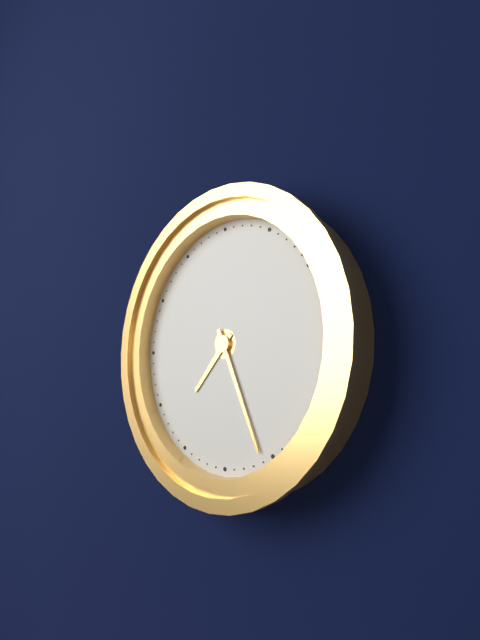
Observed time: 7:26
